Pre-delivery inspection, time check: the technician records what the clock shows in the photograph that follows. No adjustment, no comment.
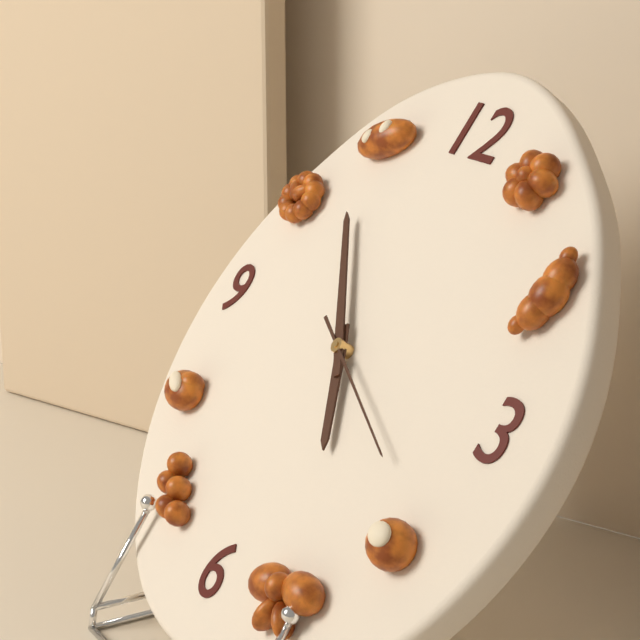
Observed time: 4:53:19
